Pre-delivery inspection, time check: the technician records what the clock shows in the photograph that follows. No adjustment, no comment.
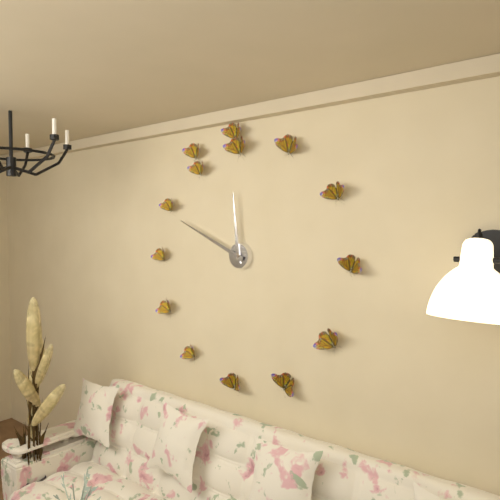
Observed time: 11:49
